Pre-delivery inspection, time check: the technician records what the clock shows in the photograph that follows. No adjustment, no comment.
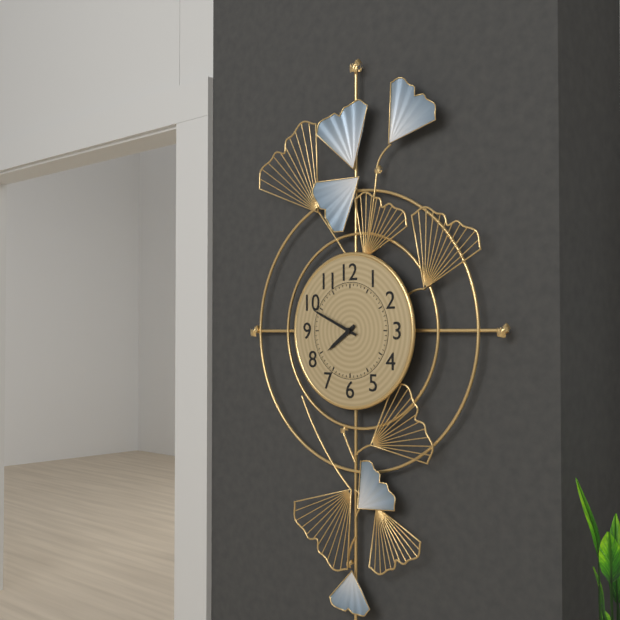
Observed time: 7:49
